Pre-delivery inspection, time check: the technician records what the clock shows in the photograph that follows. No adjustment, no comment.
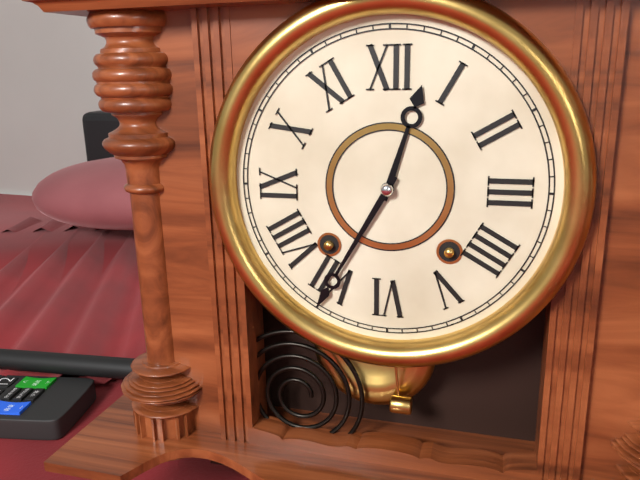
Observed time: 12:35
